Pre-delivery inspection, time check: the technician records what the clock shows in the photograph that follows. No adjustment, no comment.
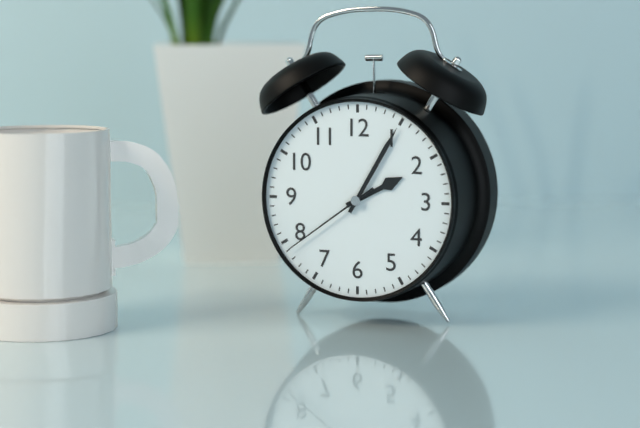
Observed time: 2:05:39
